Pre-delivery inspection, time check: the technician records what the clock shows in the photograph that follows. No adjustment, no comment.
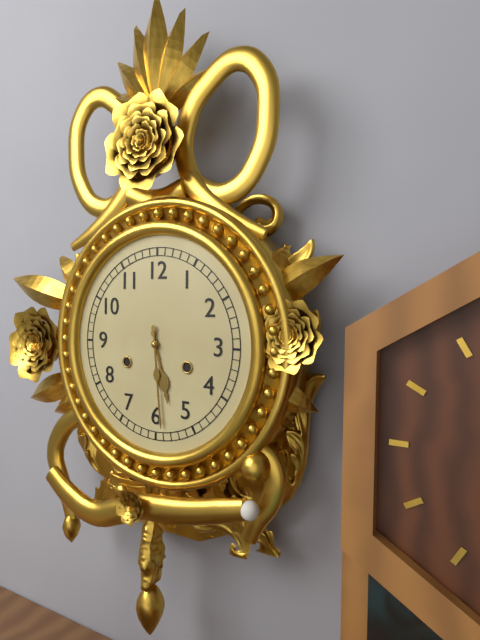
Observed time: 5:29
